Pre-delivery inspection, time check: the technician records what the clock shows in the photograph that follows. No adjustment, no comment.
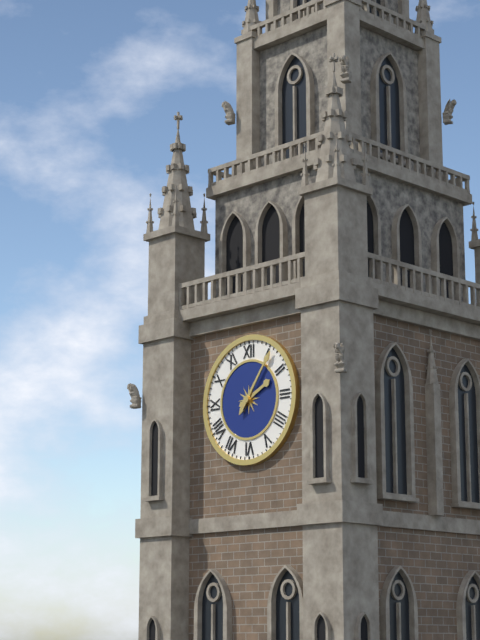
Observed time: 2:06
